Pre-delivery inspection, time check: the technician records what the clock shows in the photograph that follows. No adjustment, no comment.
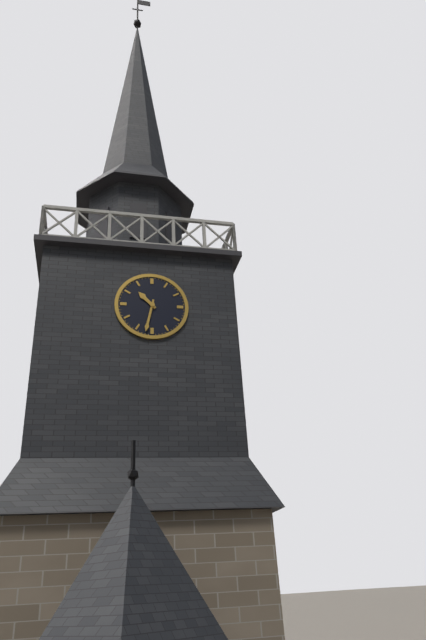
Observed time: 10:32
